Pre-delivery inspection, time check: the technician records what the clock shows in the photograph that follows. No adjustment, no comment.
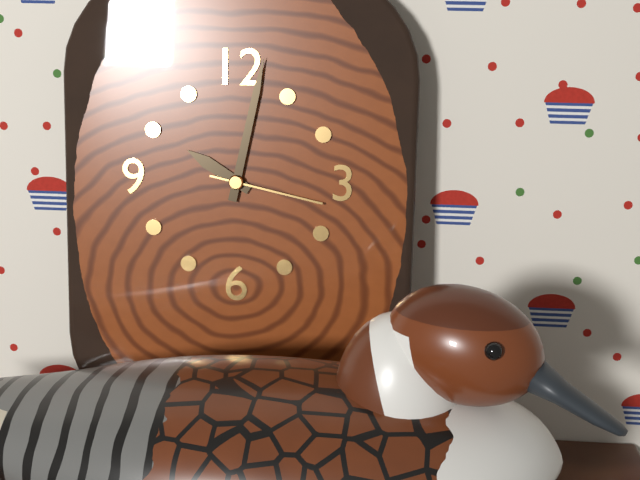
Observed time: 10:02:17
